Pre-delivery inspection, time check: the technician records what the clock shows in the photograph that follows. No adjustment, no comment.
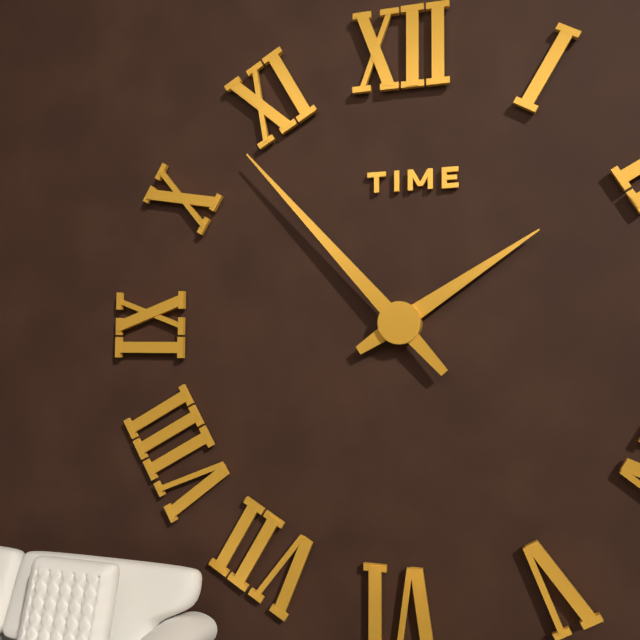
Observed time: 1:53
